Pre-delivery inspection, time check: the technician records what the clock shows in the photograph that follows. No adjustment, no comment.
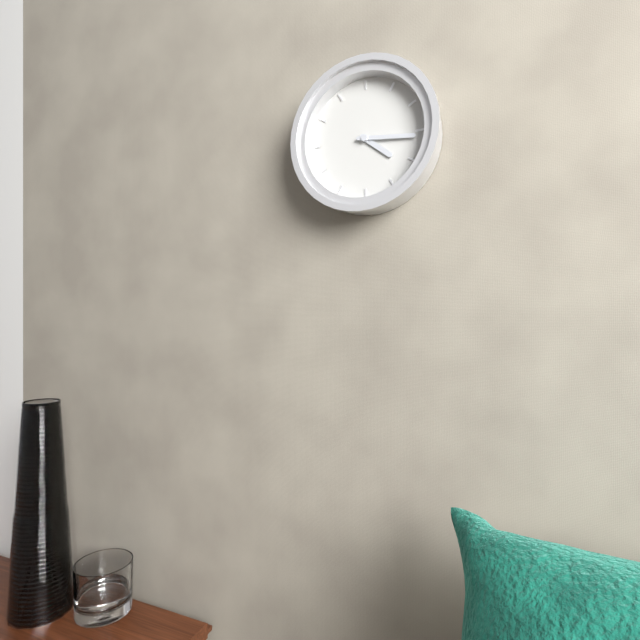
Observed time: 4:16
